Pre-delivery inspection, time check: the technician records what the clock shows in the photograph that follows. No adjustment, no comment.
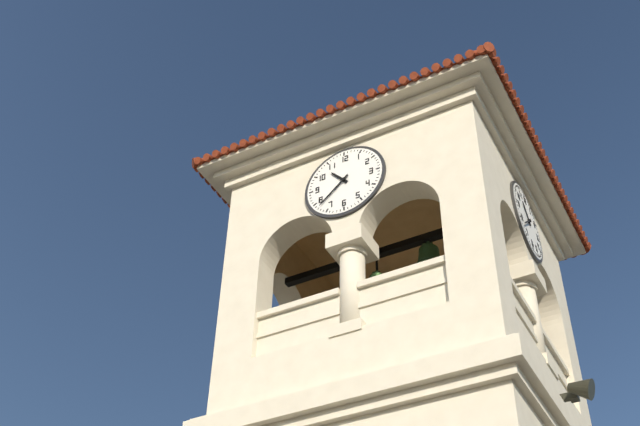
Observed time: 10:38
